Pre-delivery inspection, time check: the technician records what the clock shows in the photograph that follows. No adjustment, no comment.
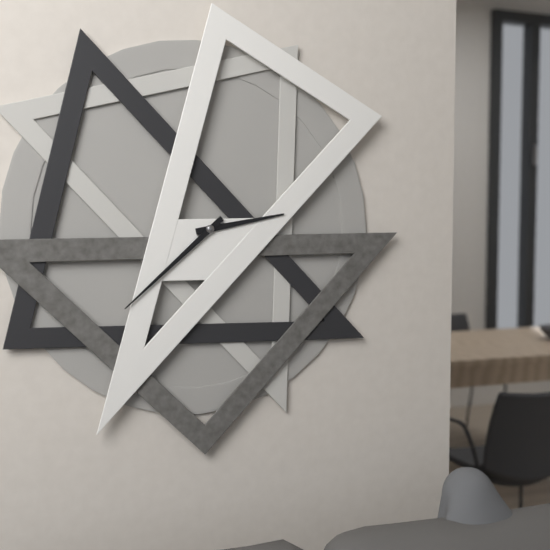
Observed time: 2:38
